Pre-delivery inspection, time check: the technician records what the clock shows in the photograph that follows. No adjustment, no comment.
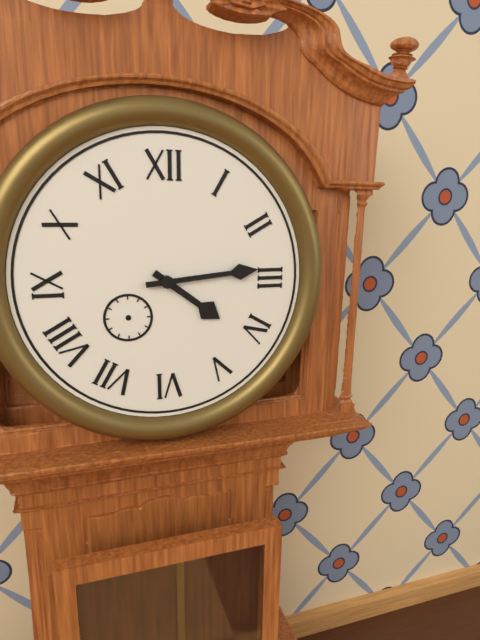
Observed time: 4:14
